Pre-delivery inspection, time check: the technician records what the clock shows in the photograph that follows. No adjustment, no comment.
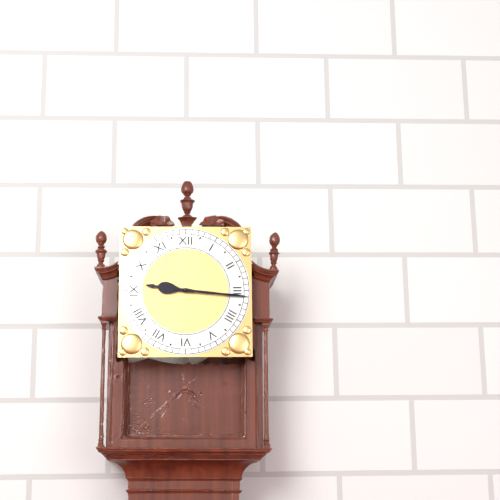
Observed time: 9:16
